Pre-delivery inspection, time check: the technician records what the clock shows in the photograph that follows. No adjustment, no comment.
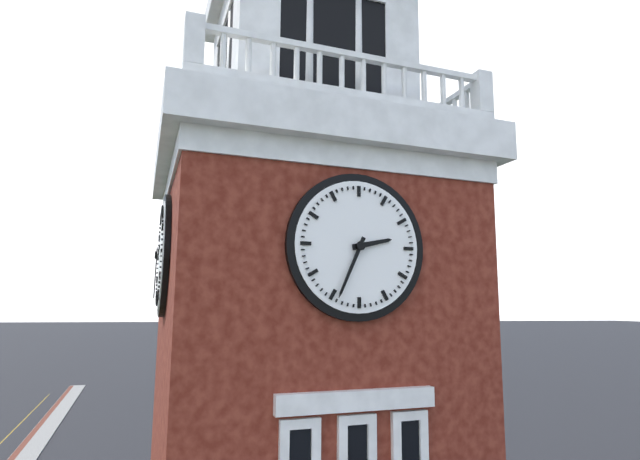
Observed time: 2:34
